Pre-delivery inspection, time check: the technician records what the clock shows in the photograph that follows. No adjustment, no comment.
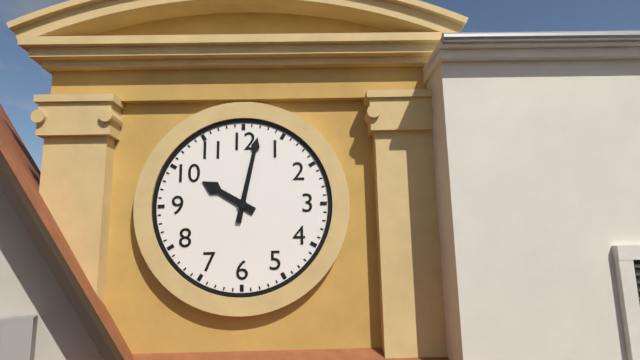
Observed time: 10:02
